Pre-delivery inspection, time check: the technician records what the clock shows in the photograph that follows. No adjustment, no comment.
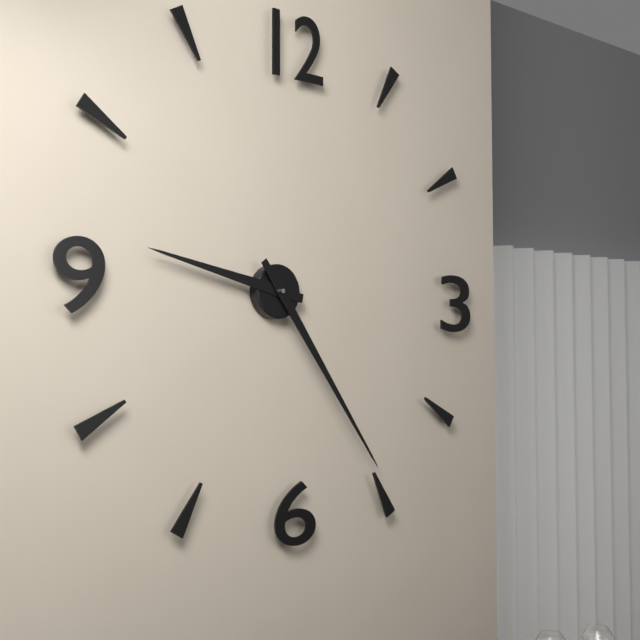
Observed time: 9:24
